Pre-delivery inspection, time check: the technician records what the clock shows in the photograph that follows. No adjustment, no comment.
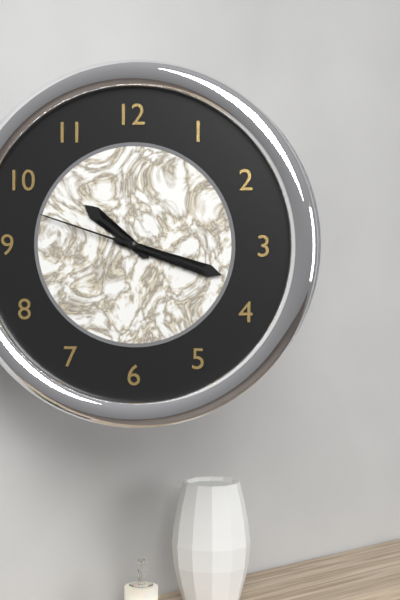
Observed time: 10:18:48
